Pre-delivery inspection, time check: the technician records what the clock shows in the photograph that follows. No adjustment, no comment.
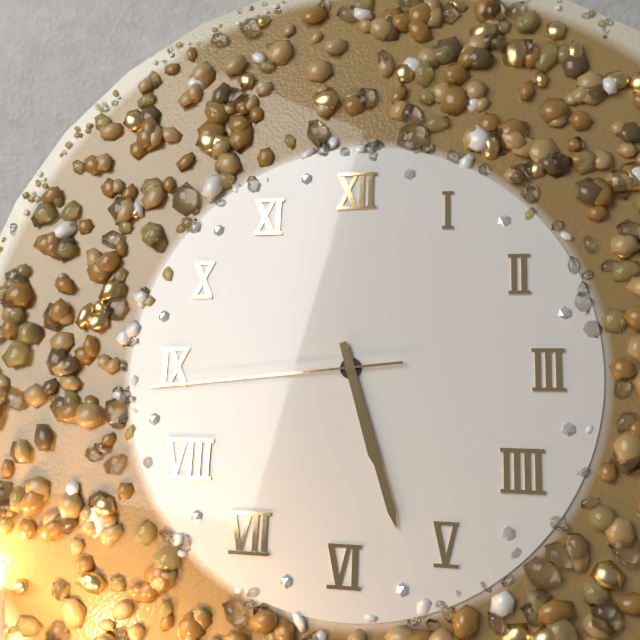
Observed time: 5:27:44
